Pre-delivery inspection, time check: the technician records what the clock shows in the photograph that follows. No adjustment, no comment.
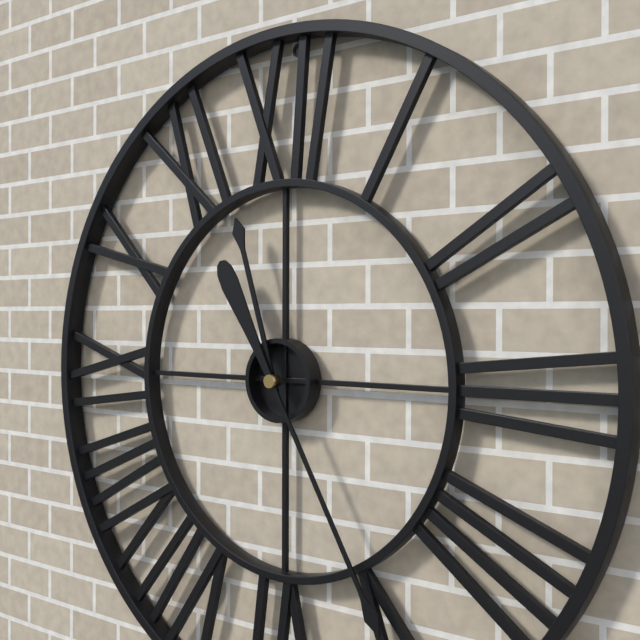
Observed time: 11:25
